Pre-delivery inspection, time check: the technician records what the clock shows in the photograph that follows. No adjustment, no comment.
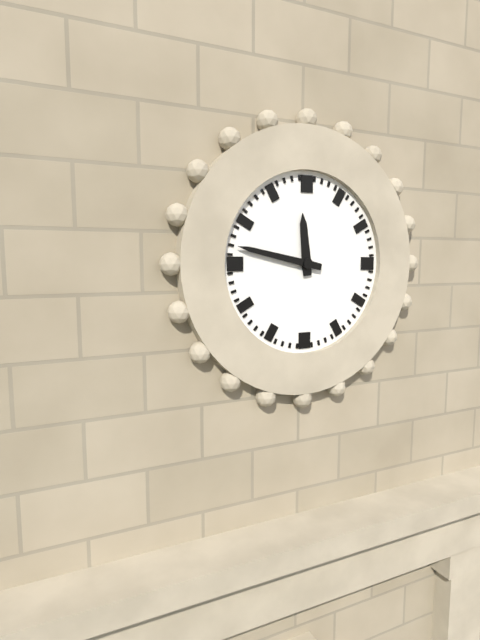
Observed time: 11:47
